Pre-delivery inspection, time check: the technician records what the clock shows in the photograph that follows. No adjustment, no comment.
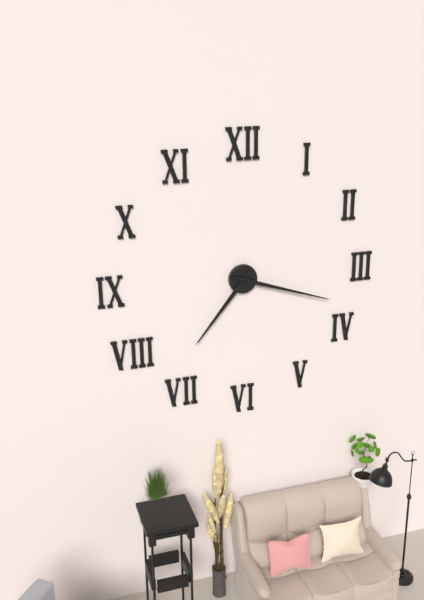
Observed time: 7:18
